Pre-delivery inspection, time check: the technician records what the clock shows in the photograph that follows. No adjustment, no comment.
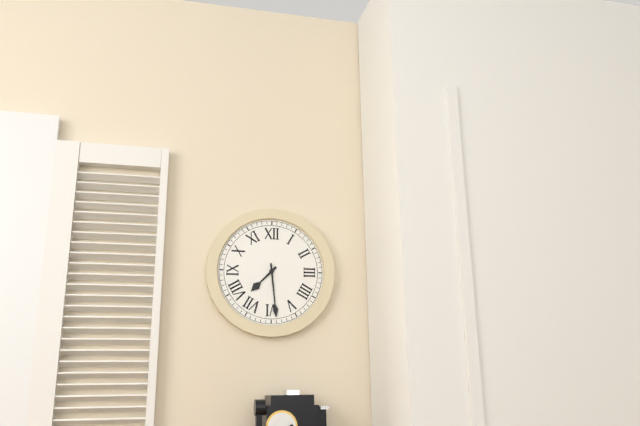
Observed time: 7:29
